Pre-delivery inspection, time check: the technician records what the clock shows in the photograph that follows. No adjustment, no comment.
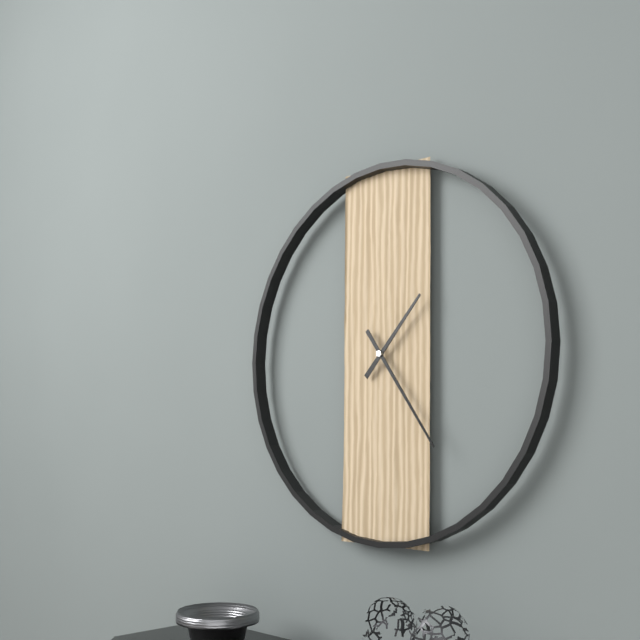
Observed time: 1:24
